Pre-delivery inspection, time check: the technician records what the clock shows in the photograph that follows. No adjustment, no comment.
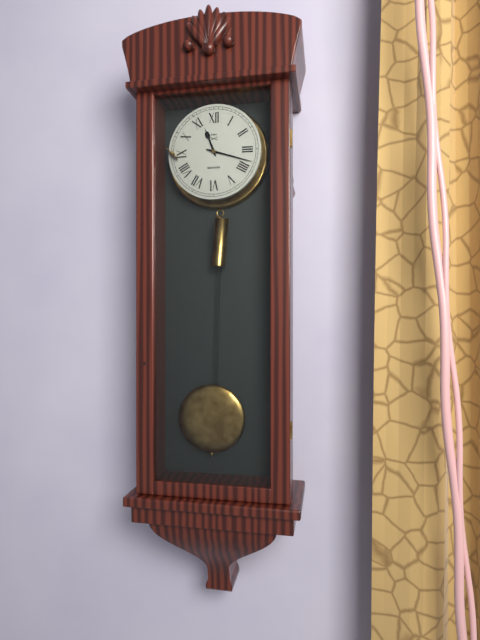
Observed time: 11:18
